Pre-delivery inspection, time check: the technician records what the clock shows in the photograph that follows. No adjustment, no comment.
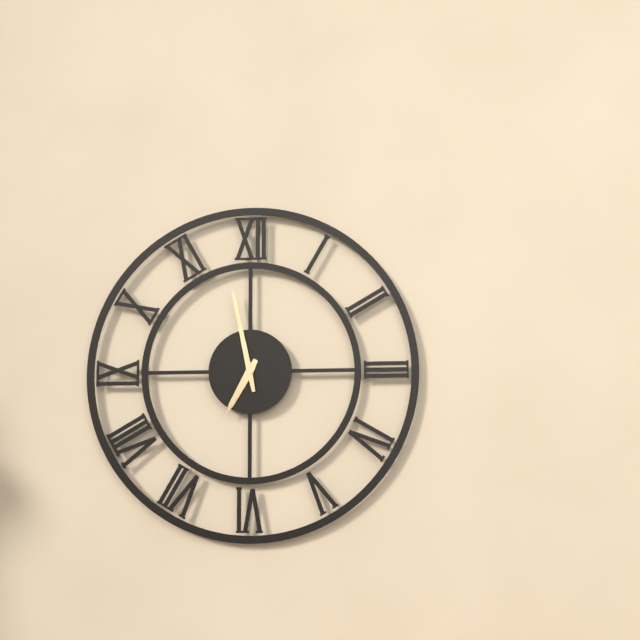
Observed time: 6:58
